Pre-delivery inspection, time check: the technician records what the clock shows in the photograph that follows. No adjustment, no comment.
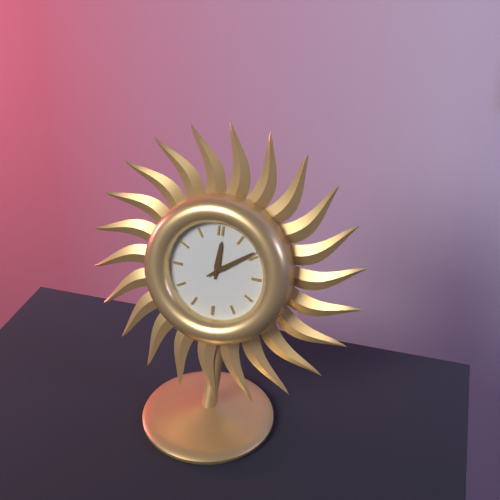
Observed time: 12:09
